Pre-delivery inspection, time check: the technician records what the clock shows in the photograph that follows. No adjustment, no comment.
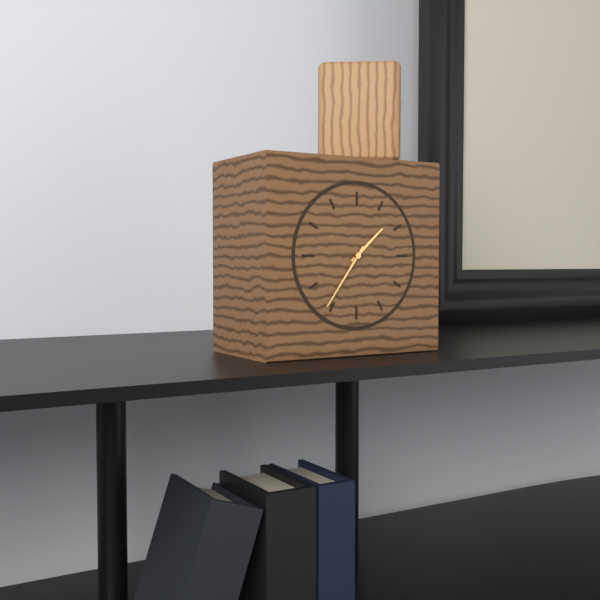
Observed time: 1:36
